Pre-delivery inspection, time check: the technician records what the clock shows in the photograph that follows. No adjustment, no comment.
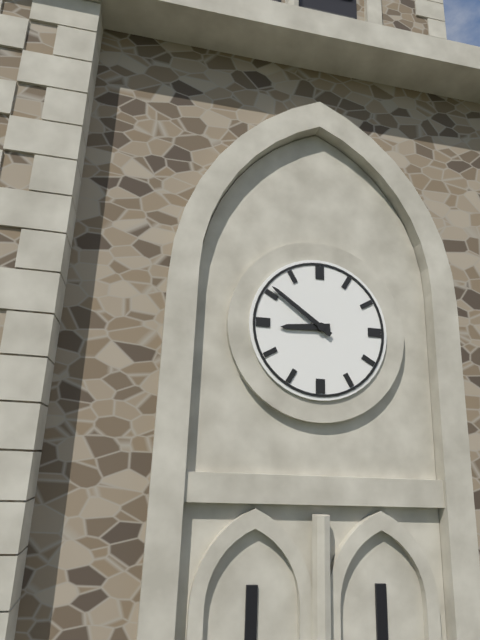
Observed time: 8:51
